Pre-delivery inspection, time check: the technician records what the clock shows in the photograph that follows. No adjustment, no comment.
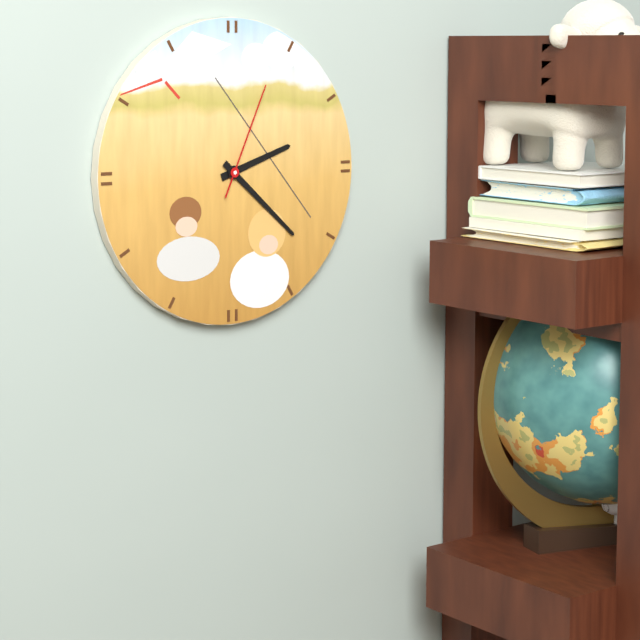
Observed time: 2:22:04
